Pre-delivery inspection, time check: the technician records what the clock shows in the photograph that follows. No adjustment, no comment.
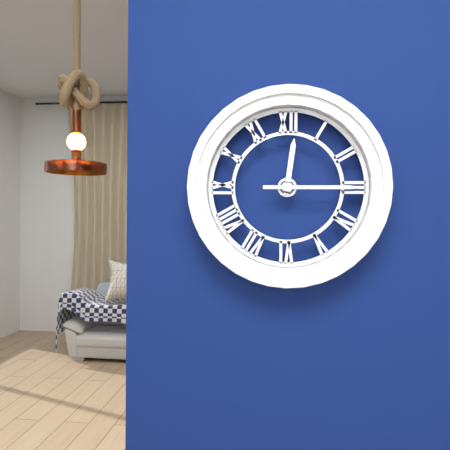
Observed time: 12:15
